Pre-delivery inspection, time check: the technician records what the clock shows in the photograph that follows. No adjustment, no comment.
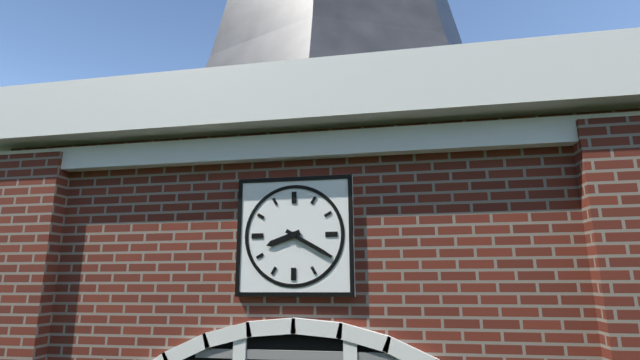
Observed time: 8:20
